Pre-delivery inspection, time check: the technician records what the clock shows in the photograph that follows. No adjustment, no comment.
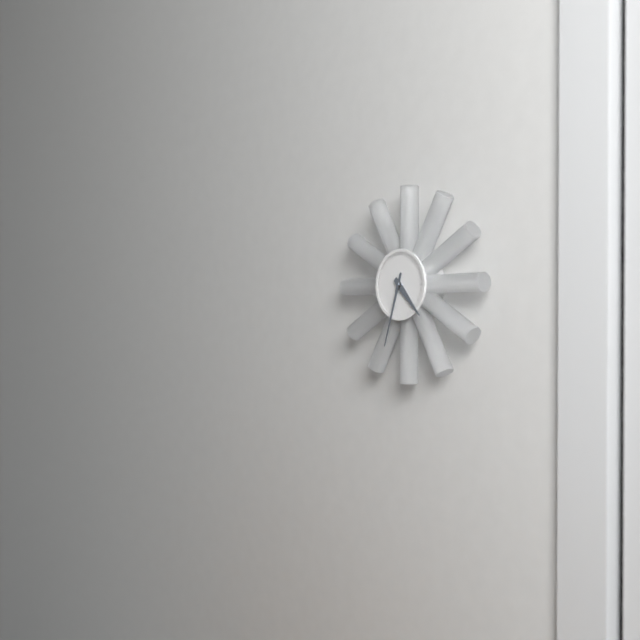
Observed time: 4:33
